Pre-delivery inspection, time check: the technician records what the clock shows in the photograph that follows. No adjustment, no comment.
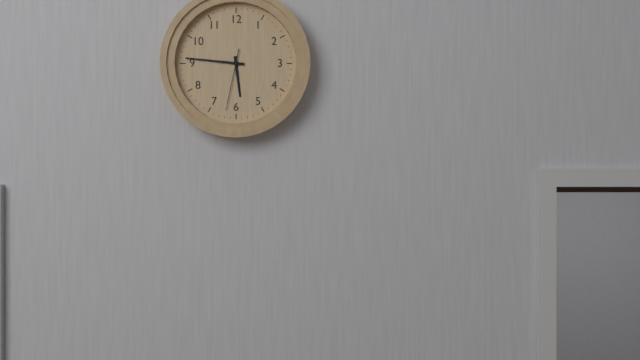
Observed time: 5:46:32
